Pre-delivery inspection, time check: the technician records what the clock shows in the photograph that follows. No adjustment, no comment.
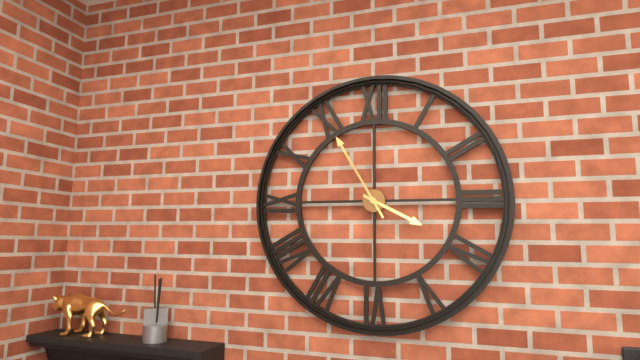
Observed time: 3:55
